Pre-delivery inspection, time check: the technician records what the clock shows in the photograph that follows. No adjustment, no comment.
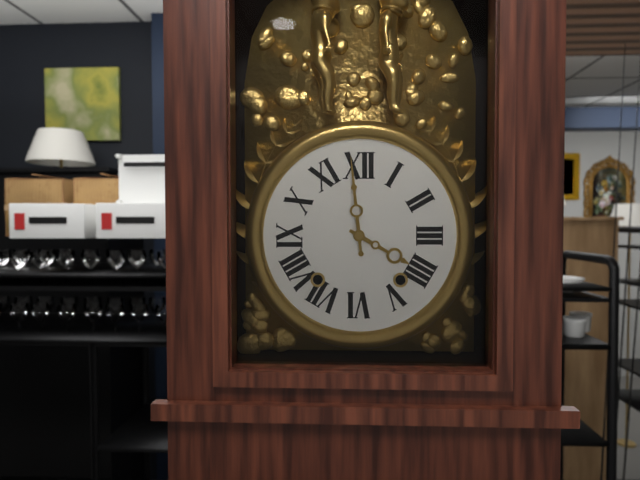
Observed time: 3:59
